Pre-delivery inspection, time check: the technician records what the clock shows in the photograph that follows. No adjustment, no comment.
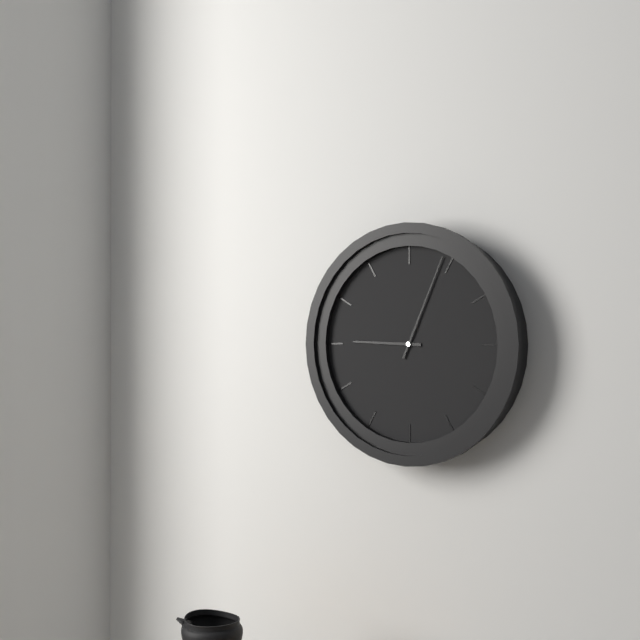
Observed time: 9:04
